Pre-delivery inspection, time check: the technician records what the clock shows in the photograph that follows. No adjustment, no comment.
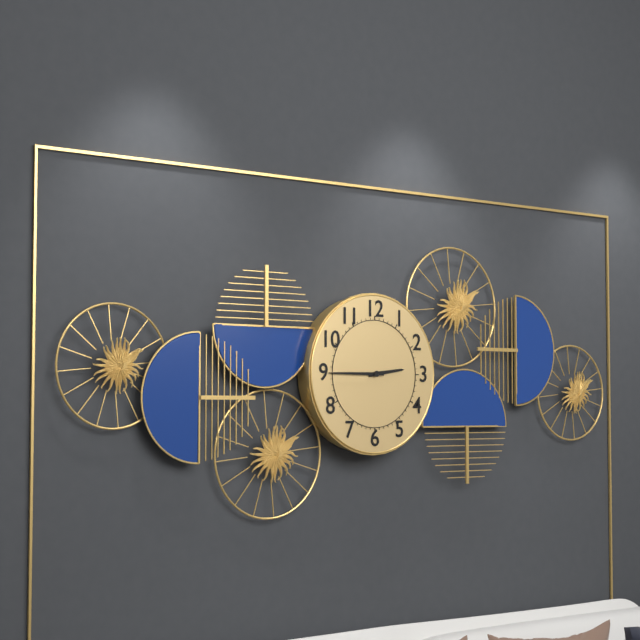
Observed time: 2:45
